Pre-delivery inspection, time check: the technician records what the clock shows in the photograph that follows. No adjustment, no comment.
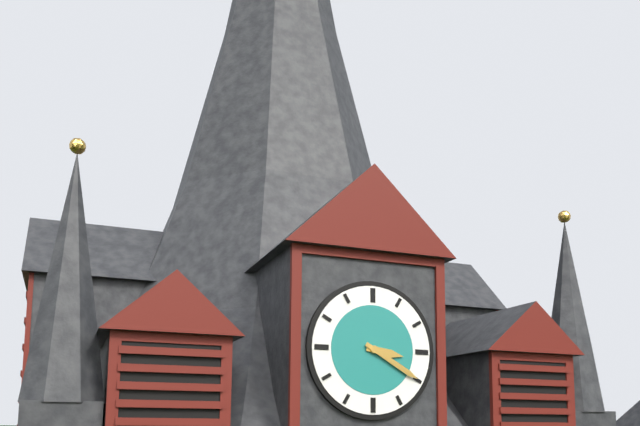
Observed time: 3:20
